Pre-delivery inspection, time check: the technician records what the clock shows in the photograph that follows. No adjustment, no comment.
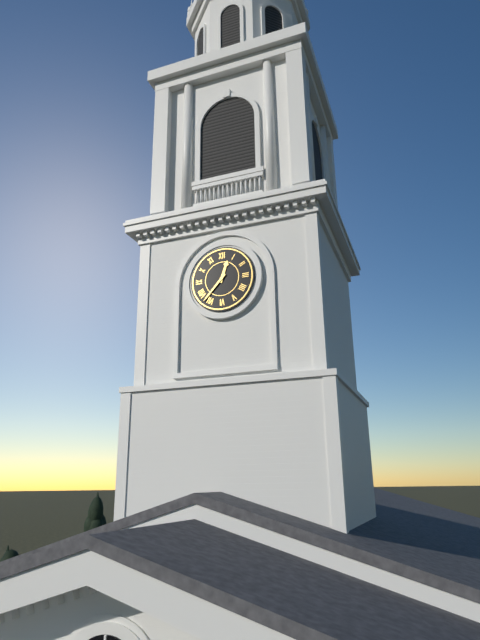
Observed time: 12:37
